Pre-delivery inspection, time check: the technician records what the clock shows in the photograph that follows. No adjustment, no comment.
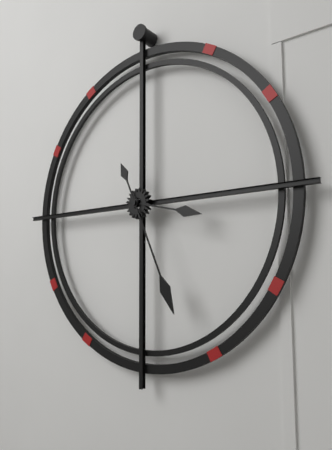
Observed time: 3:26
